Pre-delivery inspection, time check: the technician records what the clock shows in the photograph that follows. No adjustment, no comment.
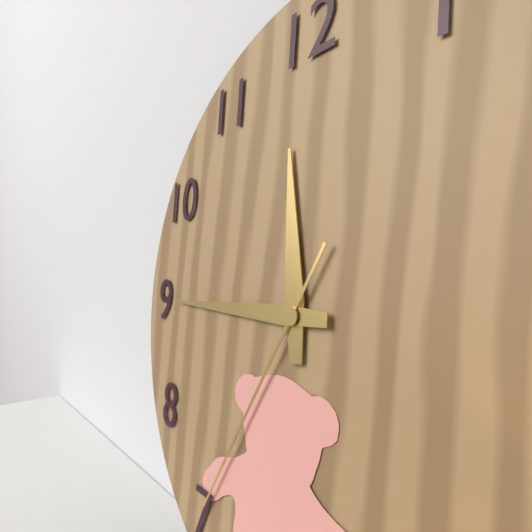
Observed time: 11:45:35
